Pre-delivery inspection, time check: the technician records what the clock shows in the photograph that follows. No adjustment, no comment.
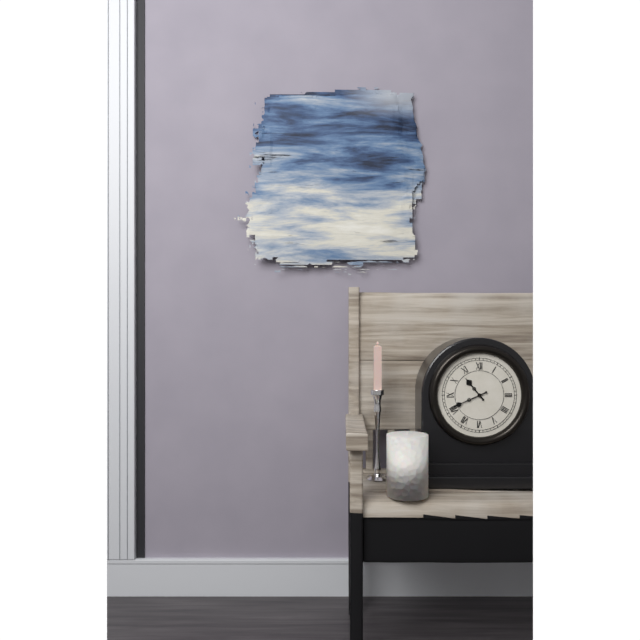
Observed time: 10:41
